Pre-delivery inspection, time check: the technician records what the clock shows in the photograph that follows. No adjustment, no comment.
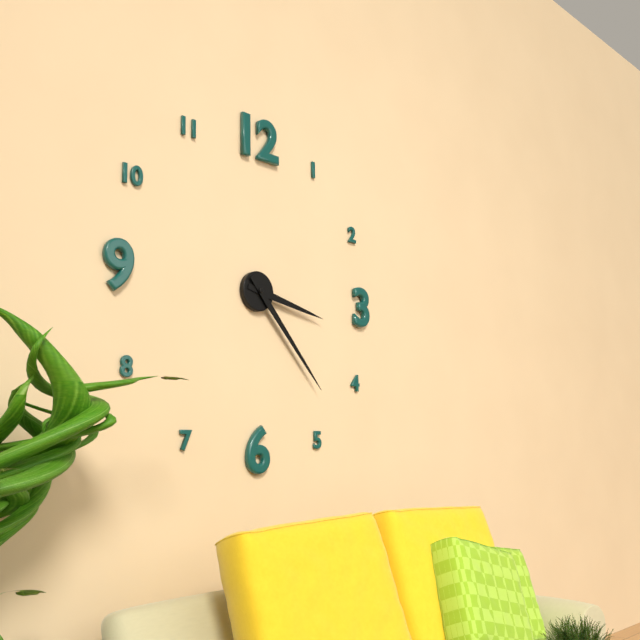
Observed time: 3:23
